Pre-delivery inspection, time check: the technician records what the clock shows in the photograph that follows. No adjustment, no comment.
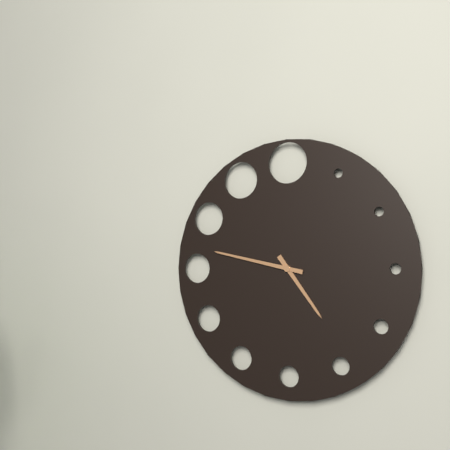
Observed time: 4:47
